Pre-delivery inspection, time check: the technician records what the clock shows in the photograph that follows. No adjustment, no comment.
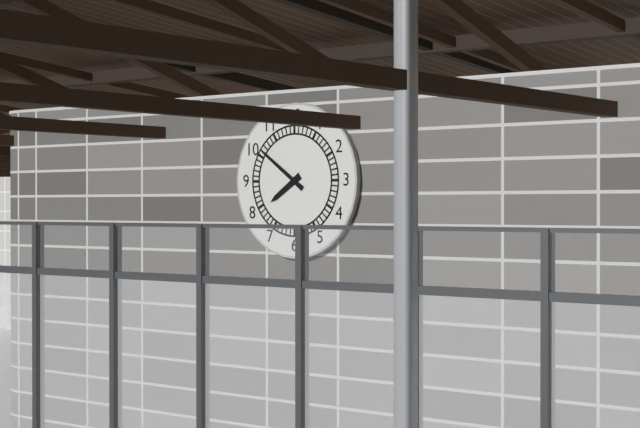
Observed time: 7:51
